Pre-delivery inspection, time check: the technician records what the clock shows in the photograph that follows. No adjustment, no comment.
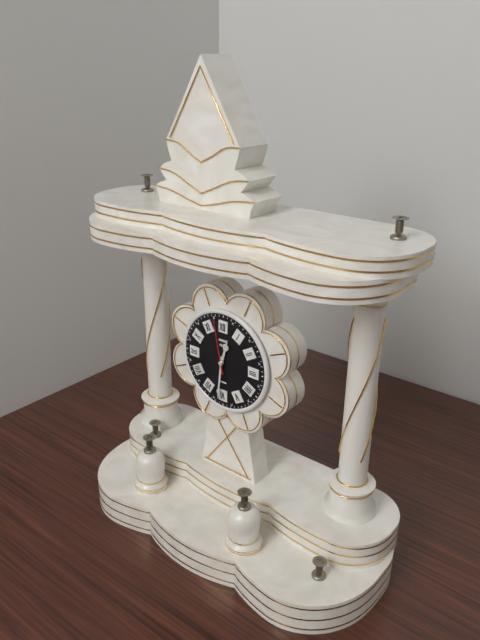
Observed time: 12:31:58
